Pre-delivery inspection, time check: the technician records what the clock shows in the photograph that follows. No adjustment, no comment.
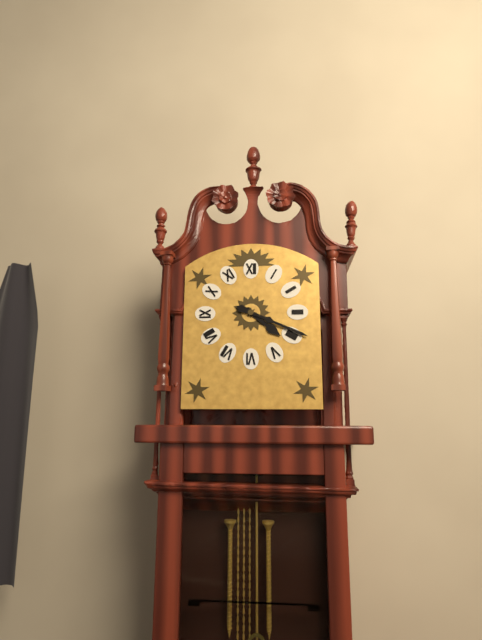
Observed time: 4:19
